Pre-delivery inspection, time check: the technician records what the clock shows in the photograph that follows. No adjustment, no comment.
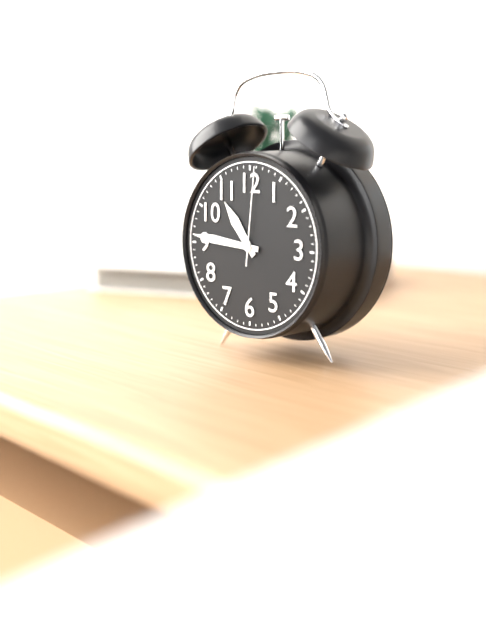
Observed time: 10:46:01
